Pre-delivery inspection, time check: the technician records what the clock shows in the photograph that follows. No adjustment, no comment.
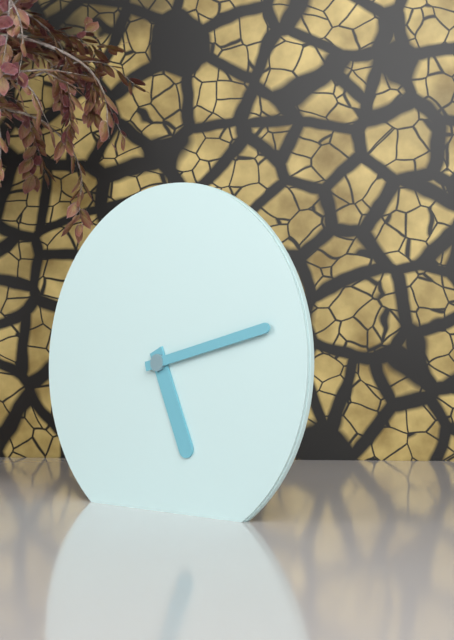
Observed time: 5:13
